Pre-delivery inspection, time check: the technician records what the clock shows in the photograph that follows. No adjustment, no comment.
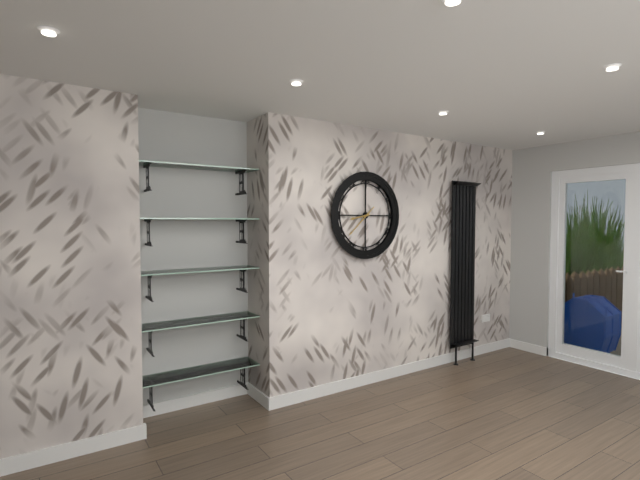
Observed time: 8:38
